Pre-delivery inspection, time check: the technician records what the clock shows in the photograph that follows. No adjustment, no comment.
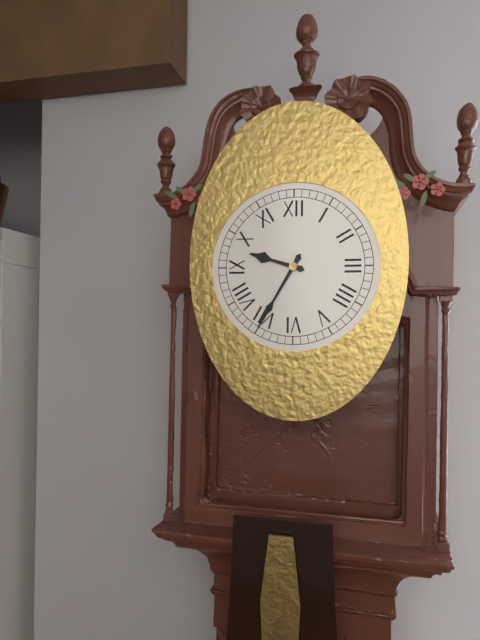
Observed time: 9:35
